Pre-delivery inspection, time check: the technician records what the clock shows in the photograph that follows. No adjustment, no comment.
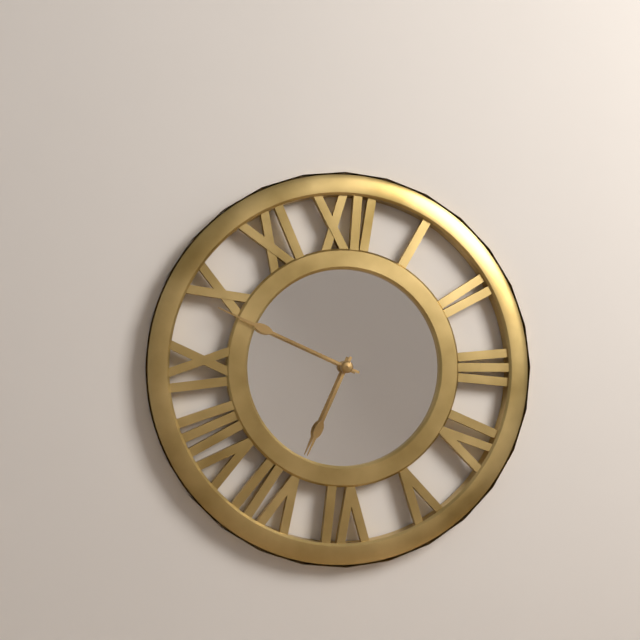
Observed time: 6:49
